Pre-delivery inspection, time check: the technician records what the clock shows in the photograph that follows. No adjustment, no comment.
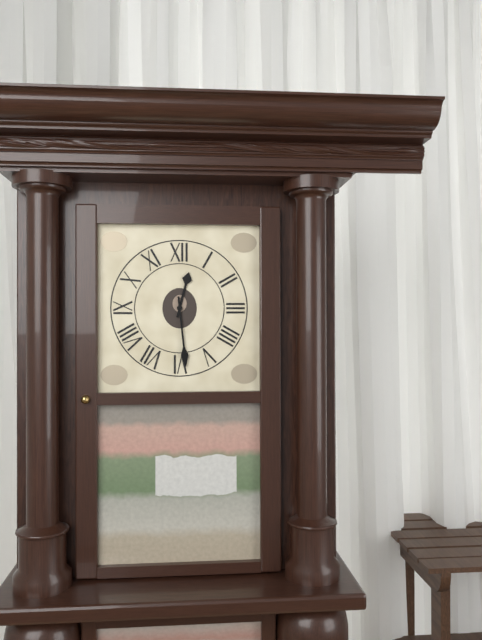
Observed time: 12:29
